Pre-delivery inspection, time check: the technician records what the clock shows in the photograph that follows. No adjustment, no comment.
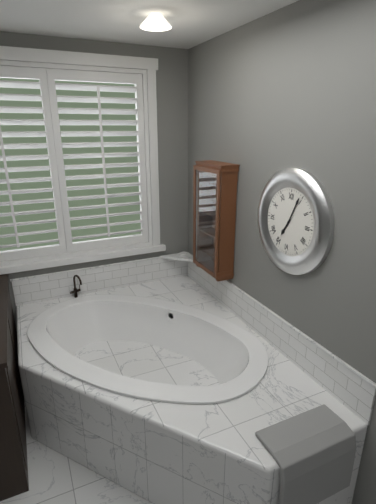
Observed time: 7:04
